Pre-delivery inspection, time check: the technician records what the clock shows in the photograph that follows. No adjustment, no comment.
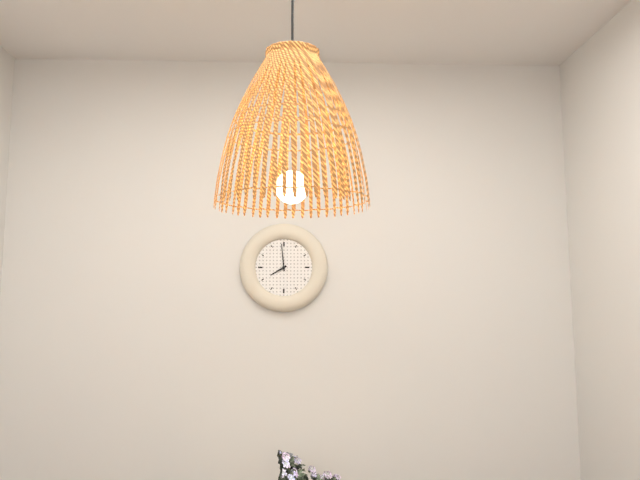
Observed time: 7:59
